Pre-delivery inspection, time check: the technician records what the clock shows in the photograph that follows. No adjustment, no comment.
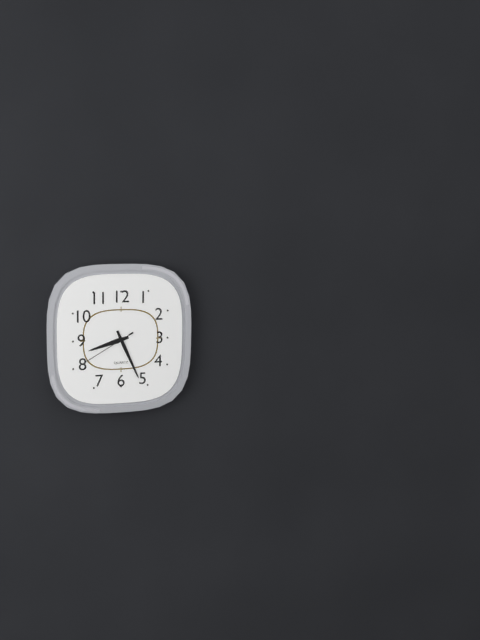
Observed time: 8:26:40
